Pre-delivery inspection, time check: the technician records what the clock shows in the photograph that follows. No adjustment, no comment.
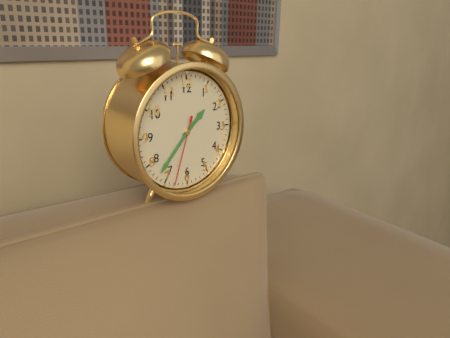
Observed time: 1:37:33
